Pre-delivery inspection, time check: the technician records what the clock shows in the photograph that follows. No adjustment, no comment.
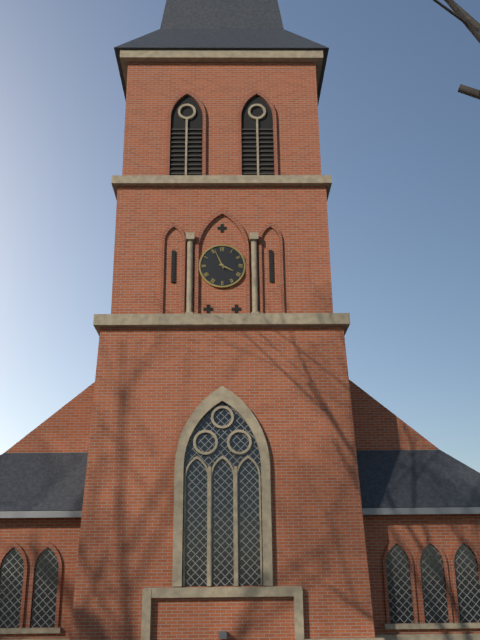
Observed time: 3:56
